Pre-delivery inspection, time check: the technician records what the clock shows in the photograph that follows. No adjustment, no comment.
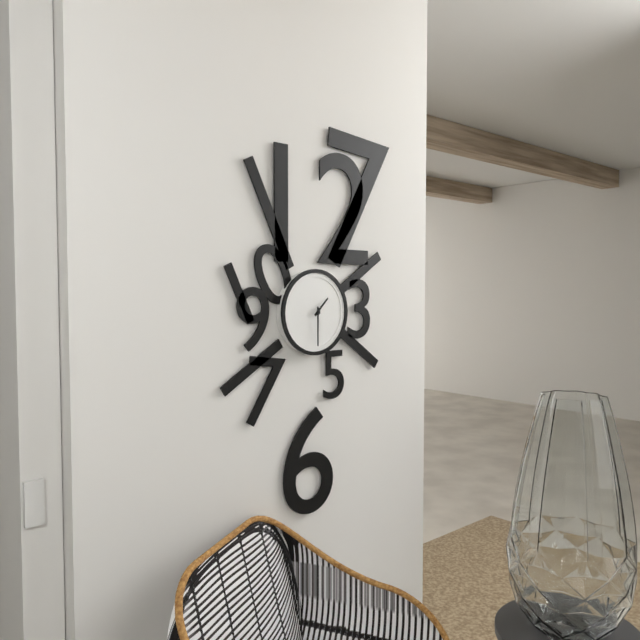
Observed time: 1:30
